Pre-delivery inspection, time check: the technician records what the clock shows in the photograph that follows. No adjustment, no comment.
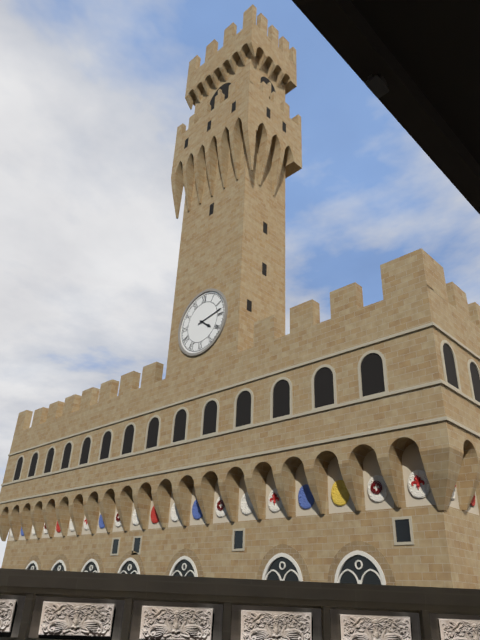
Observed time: 4:13
